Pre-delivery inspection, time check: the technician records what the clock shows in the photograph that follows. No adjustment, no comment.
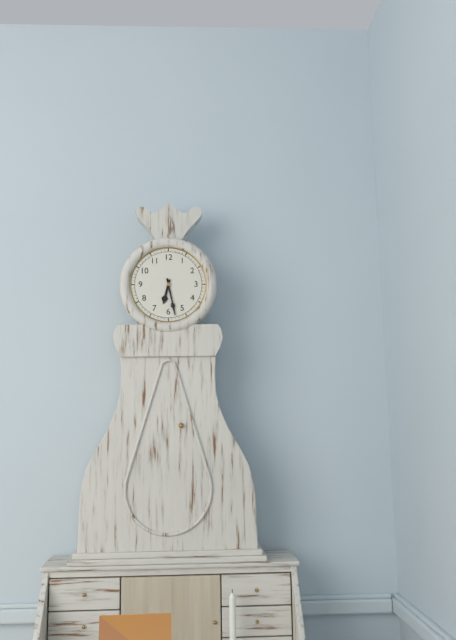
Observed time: 6:28
